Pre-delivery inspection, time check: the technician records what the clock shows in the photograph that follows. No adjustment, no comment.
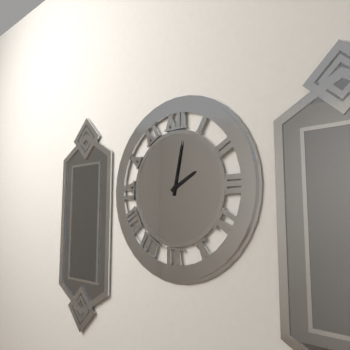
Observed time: 2:02
